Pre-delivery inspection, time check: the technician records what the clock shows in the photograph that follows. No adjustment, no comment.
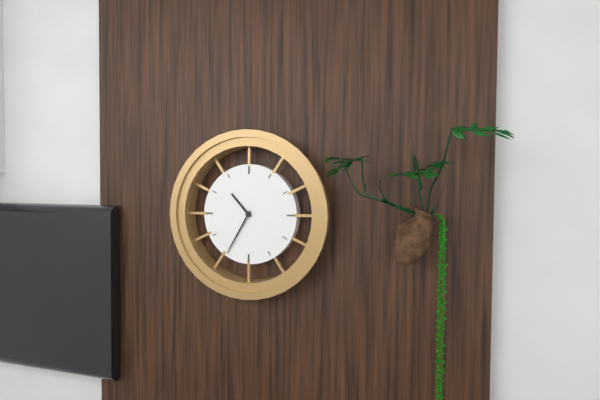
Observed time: 10:35
